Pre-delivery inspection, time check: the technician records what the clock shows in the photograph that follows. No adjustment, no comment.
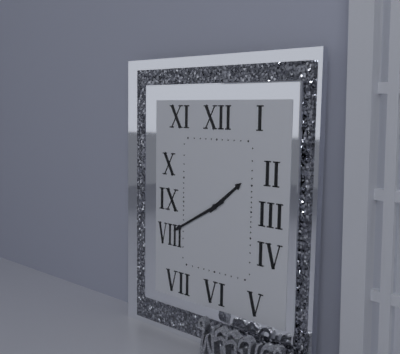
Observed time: 1:40
